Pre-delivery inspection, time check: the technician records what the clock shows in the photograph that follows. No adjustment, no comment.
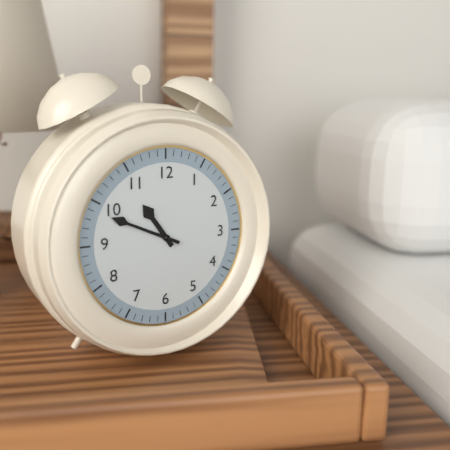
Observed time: 10:49
